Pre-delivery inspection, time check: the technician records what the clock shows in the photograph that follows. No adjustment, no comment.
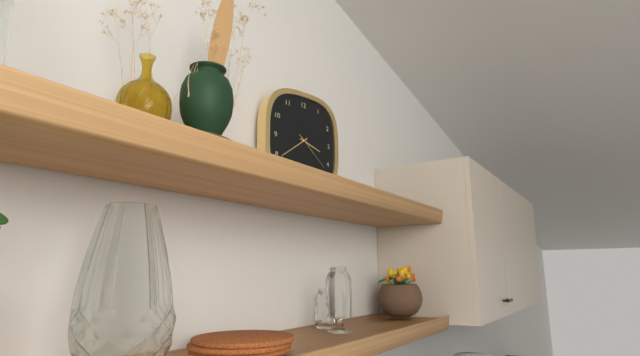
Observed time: 3:39
